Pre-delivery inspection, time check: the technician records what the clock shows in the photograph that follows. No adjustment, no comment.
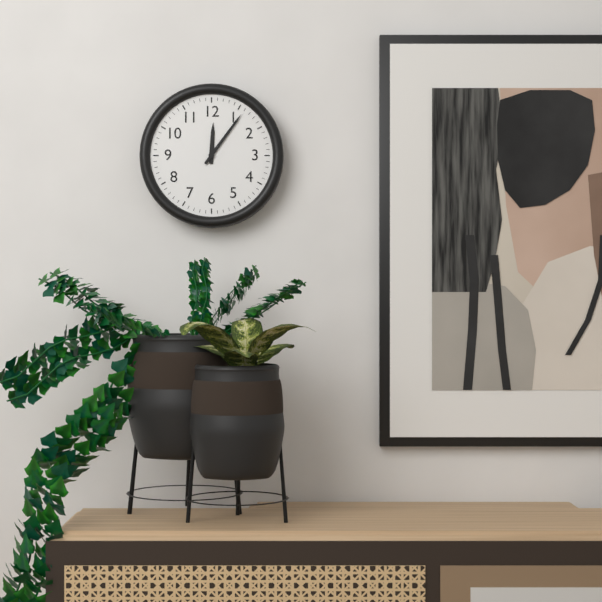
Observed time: 12:06
